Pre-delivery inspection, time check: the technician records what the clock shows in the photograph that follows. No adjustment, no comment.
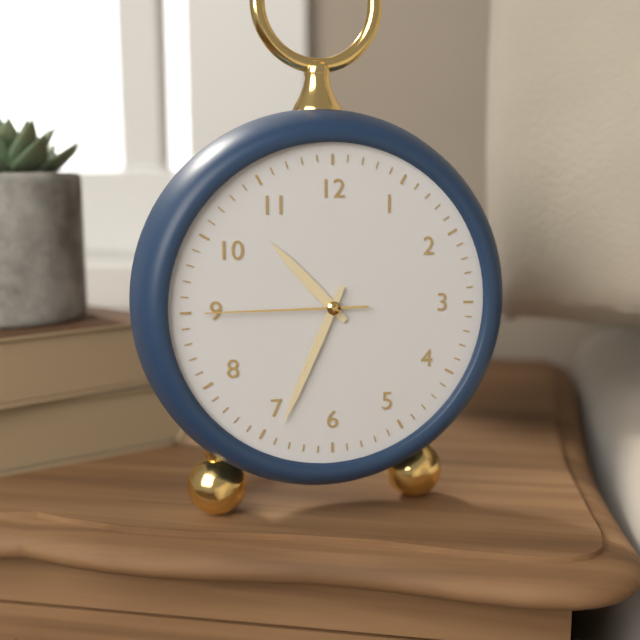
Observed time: 10:34:45
